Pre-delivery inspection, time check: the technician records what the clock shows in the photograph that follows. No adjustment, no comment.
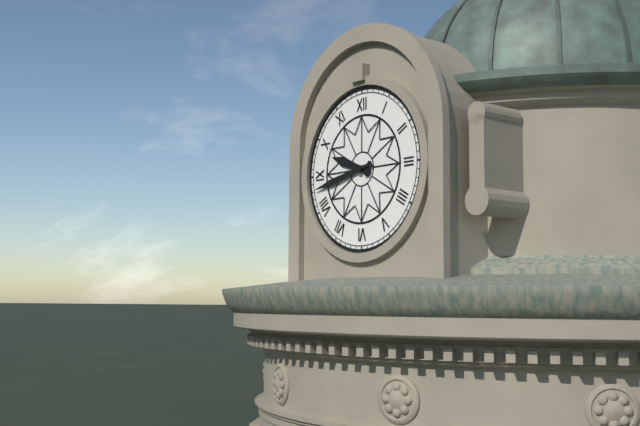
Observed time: 9:43
